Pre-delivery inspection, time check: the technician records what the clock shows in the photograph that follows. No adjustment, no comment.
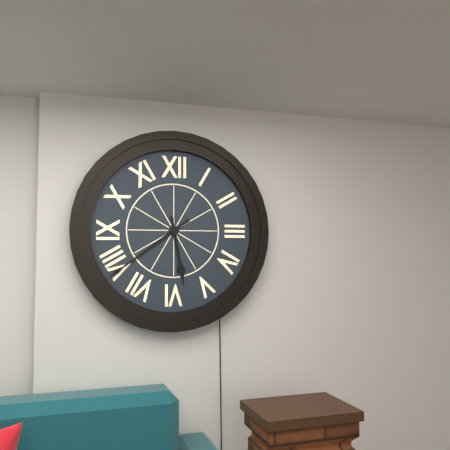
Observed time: 5:39
